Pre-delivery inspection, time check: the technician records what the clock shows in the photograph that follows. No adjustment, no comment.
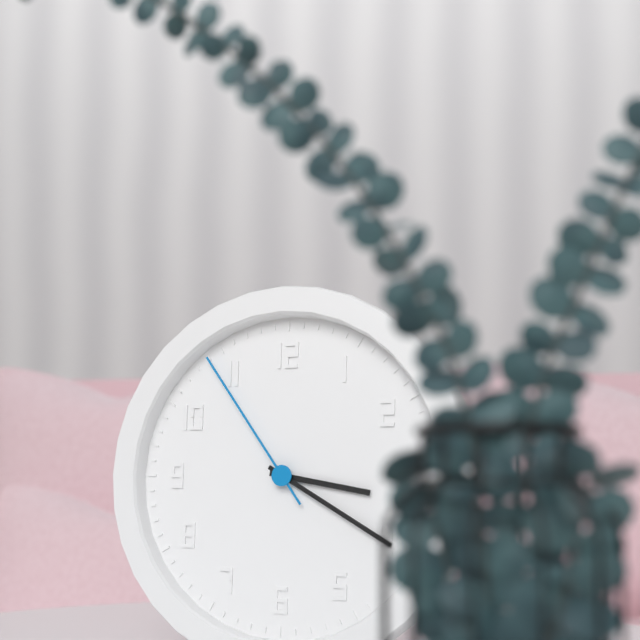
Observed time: 3:20:54
